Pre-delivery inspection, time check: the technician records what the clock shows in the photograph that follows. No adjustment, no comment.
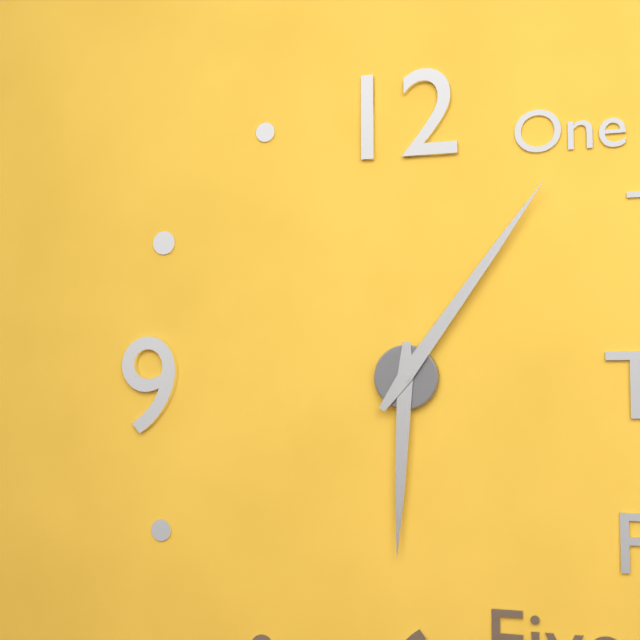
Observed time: 6:06
